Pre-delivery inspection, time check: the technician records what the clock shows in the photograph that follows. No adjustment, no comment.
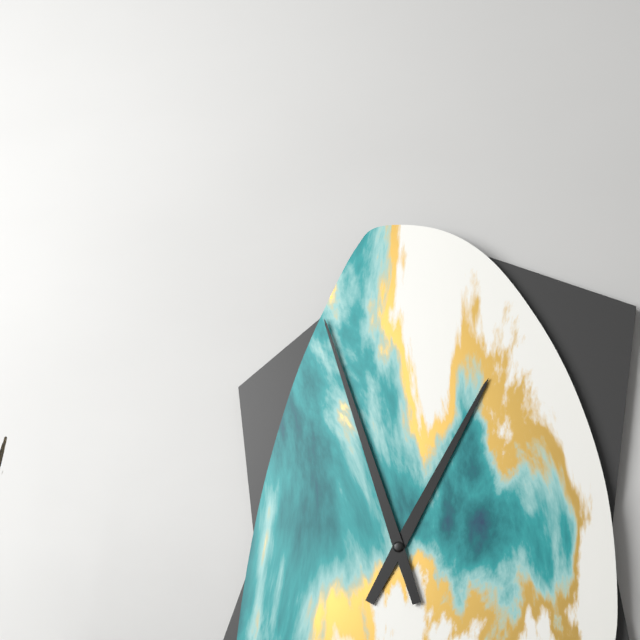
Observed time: 12:57
